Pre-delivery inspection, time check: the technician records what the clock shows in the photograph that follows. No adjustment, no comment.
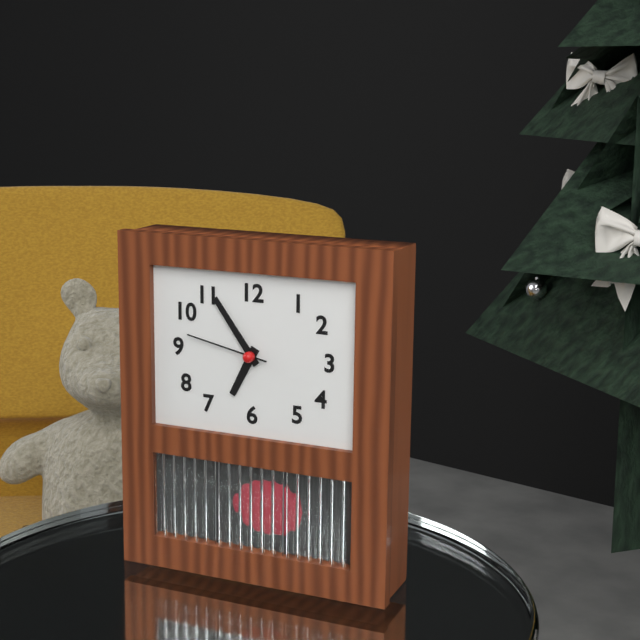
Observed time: 6:54:47
